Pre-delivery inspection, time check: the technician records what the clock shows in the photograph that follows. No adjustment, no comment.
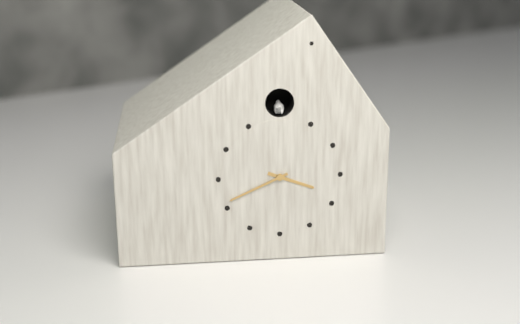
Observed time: 3:41
